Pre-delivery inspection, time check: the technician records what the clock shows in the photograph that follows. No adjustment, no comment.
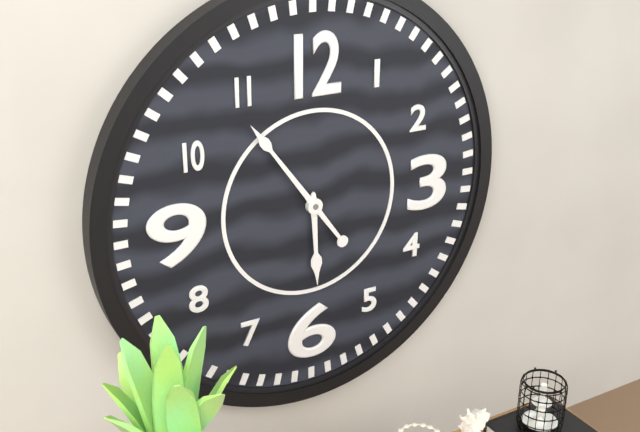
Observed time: 5:54
